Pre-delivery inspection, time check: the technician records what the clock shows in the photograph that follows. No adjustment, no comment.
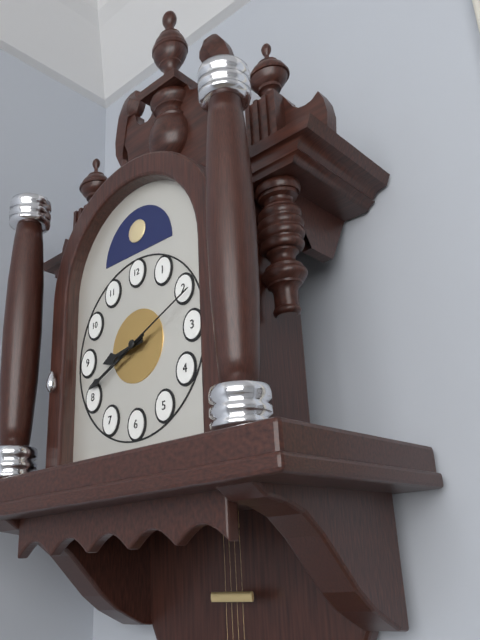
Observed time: 8:41:11
